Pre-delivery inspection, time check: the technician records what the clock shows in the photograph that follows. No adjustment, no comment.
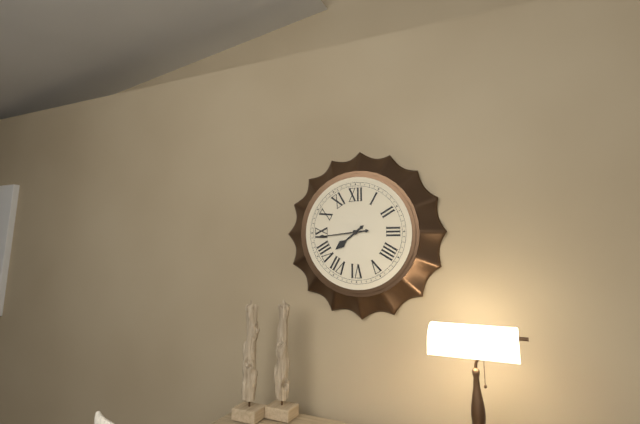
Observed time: 7:44
